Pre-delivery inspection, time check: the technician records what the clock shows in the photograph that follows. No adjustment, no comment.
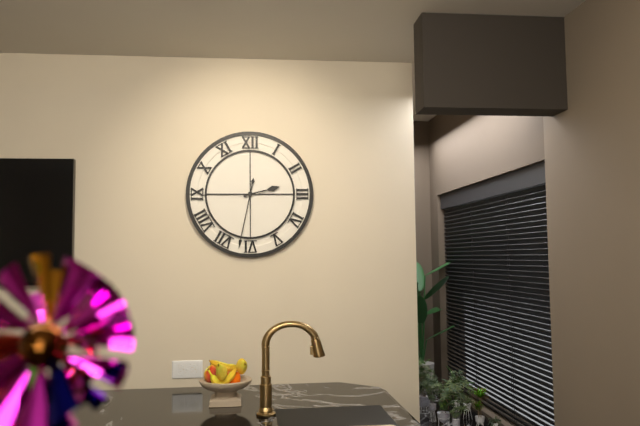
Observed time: 2:32
